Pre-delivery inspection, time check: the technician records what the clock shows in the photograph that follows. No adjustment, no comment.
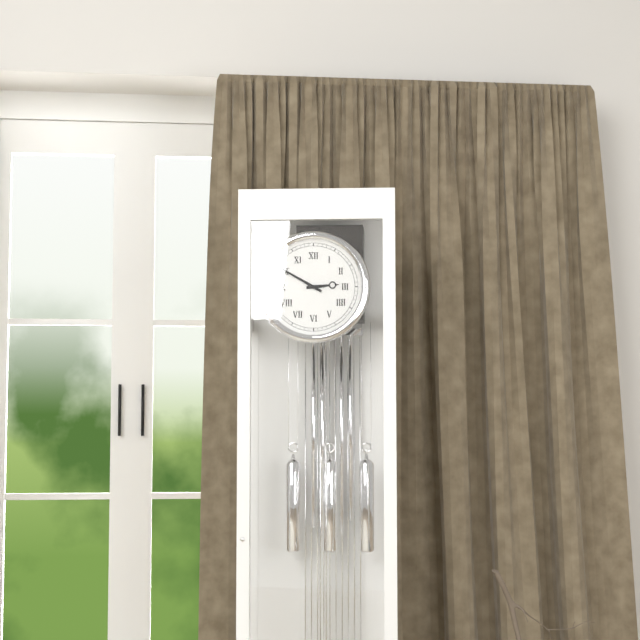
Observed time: 2:50
